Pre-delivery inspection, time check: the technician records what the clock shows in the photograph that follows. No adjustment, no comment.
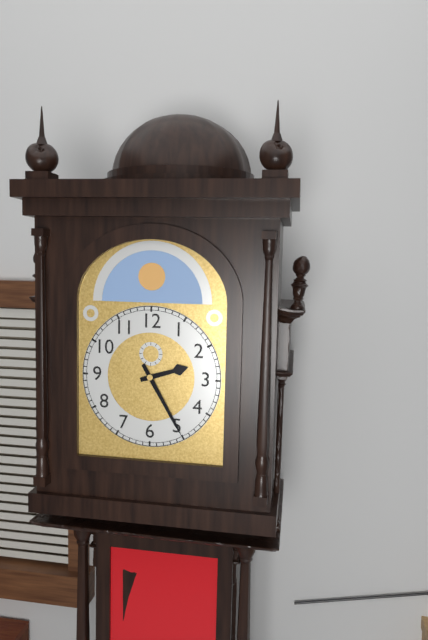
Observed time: 2:25
